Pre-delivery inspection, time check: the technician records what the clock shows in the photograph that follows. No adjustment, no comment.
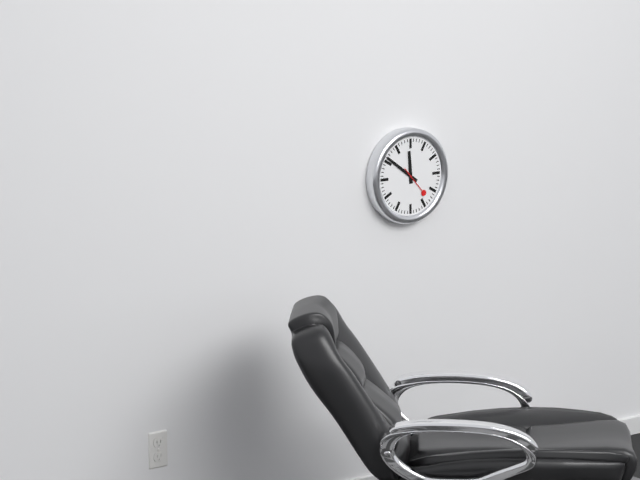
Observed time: 11:51
